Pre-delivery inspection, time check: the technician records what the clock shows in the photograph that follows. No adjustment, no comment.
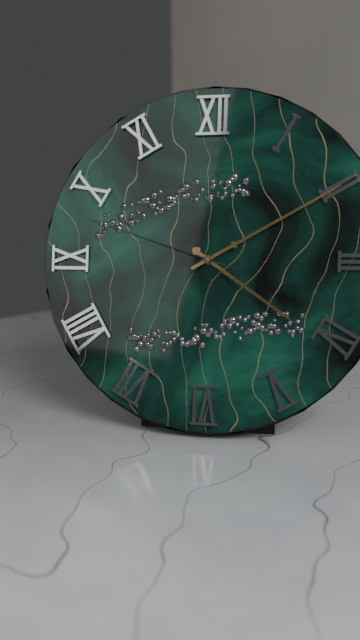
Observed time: 4:10:48
